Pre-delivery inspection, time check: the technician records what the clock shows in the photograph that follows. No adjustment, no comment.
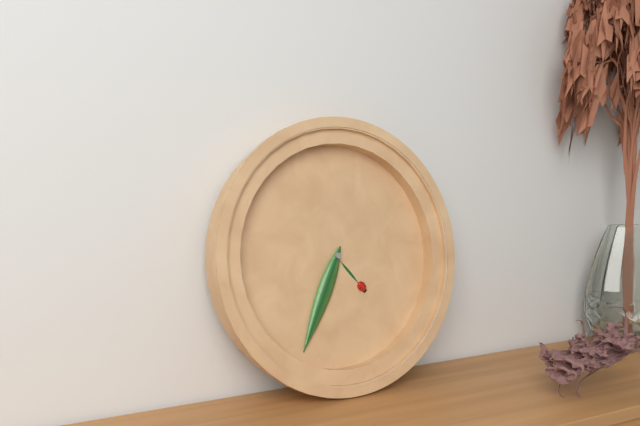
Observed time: 4:34
